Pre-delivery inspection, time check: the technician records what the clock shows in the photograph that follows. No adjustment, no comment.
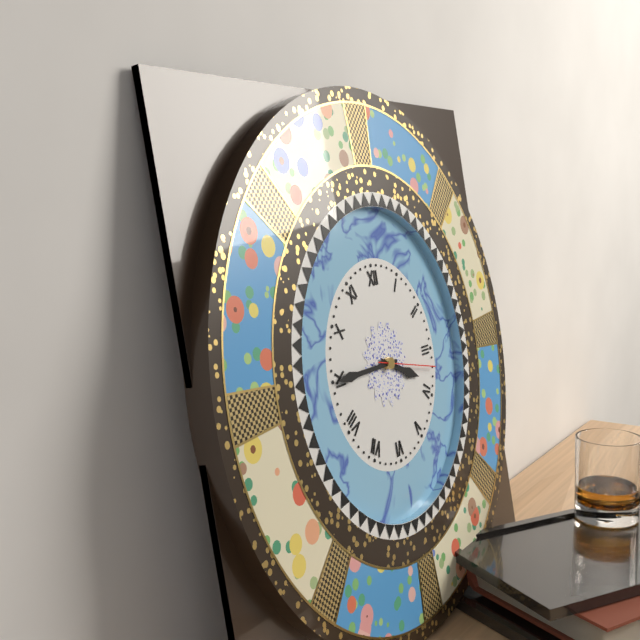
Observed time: 3:45:17
